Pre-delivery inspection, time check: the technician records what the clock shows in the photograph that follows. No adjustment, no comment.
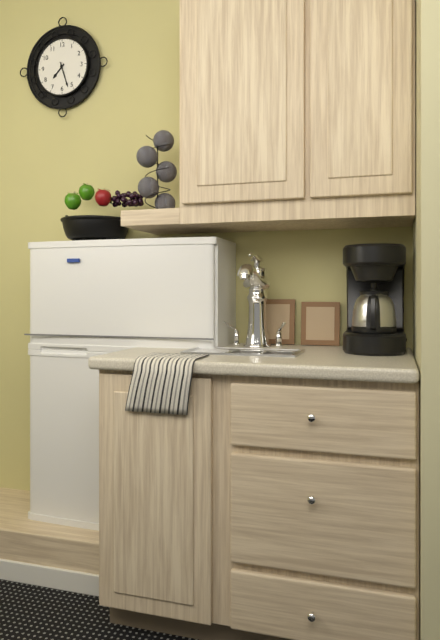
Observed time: 7:27
